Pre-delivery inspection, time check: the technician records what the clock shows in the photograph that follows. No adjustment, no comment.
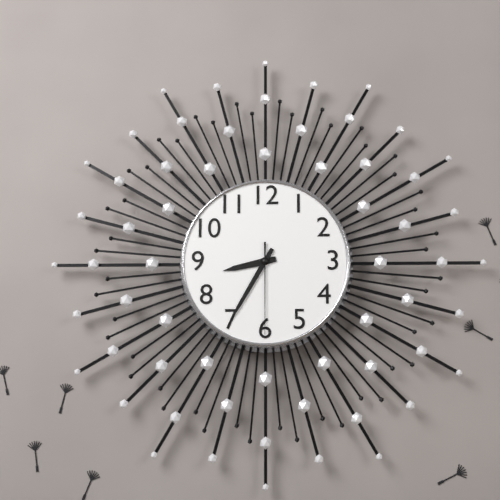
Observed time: 8:35:30
